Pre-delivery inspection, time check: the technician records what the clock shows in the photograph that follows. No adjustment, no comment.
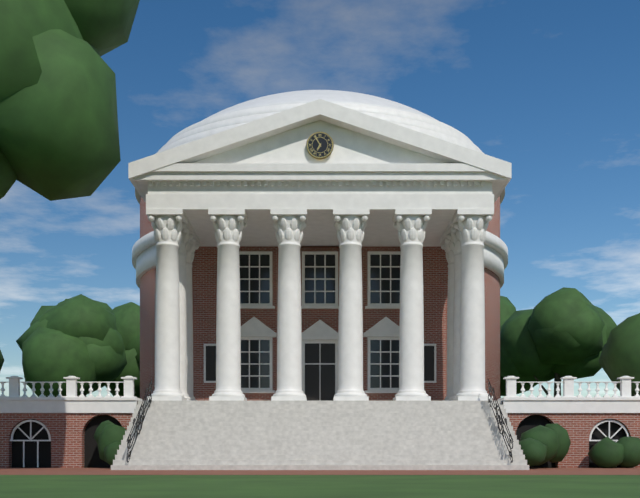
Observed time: 6:55
